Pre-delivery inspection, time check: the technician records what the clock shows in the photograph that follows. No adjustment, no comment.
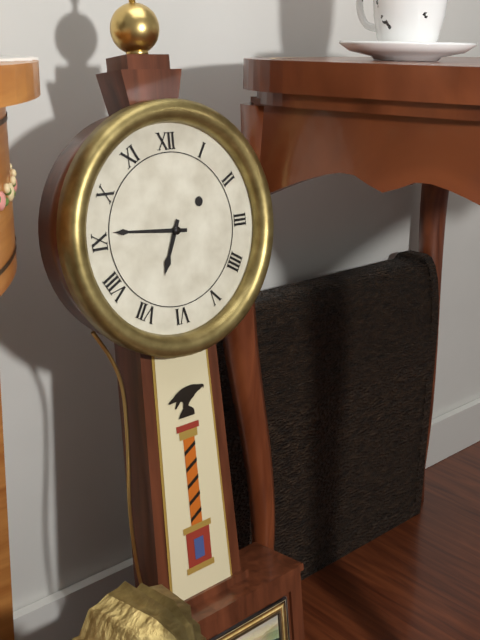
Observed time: 6:46
